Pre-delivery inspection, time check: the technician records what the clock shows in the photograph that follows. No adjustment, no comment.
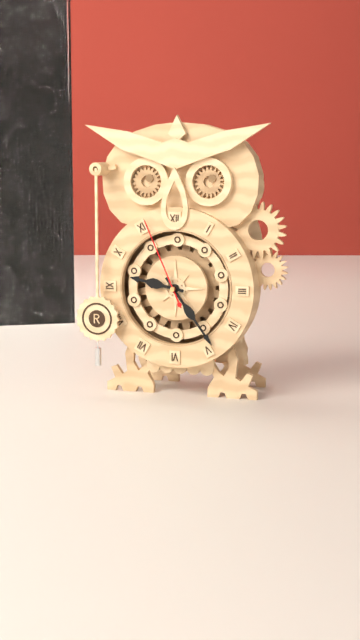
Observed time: 9:24:56
